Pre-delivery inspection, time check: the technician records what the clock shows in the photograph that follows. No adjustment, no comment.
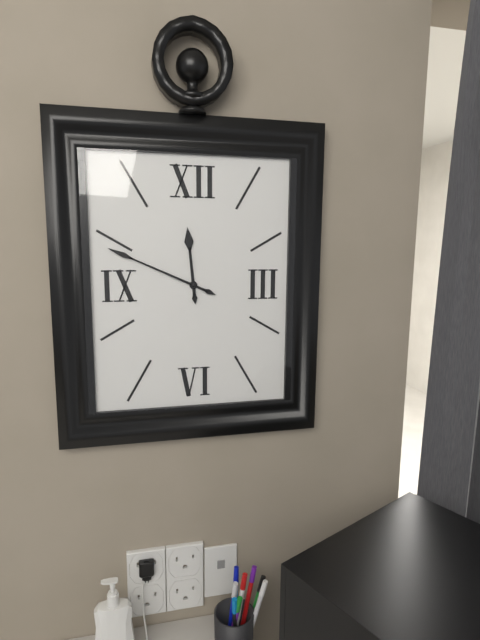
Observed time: 11:49
